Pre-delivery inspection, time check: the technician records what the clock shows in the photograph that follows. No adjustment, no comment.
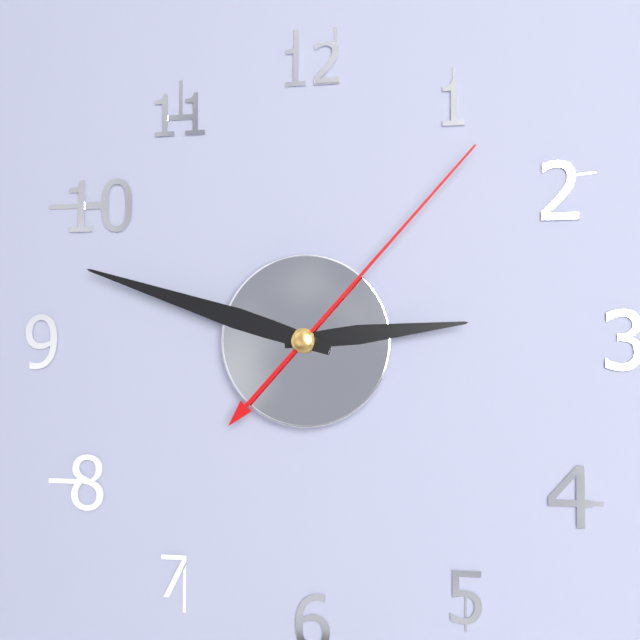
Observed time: 2:48:07
